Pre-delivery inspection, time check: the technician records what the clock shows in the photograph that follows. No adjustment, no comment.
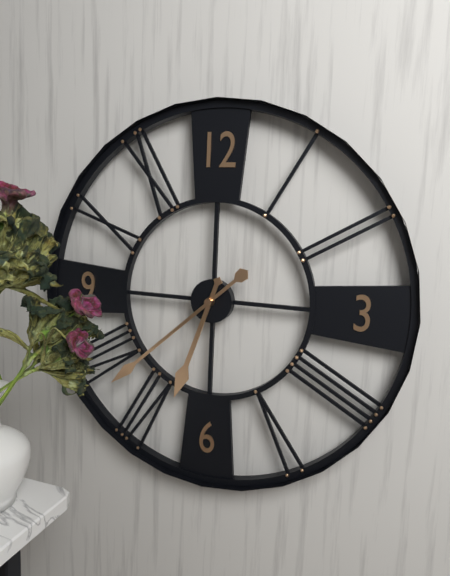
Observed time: 6:38
